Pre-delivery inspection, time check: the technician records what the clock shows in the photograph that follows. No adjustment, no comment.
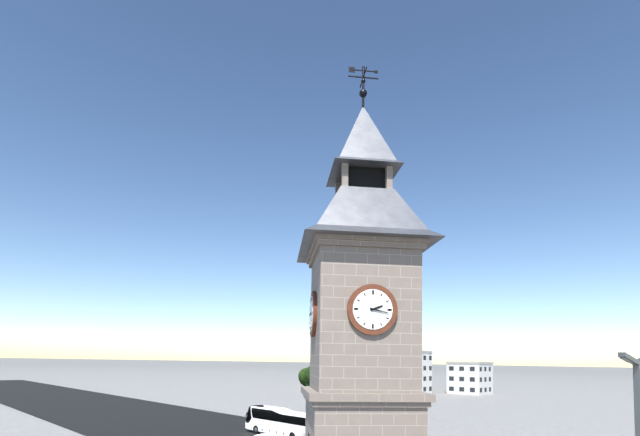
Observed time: 2:17
